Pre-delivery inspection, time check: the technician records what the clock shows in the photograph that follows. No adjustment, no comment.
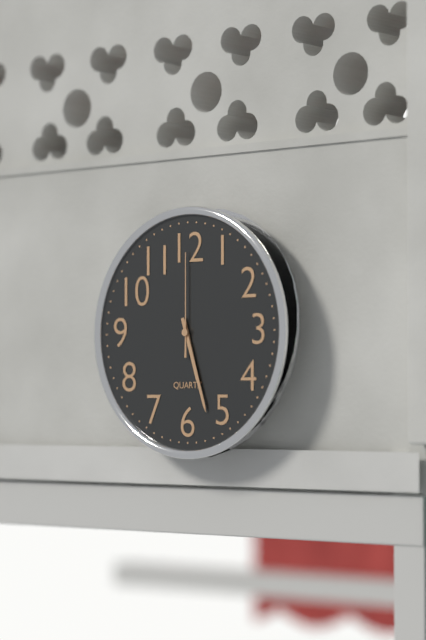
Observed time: 5:27:00
